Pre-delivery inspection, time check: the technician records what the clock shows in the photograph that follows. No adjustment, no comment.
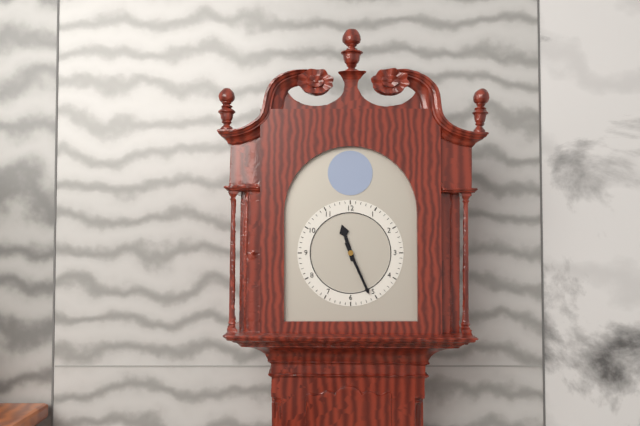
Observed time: 11:26
